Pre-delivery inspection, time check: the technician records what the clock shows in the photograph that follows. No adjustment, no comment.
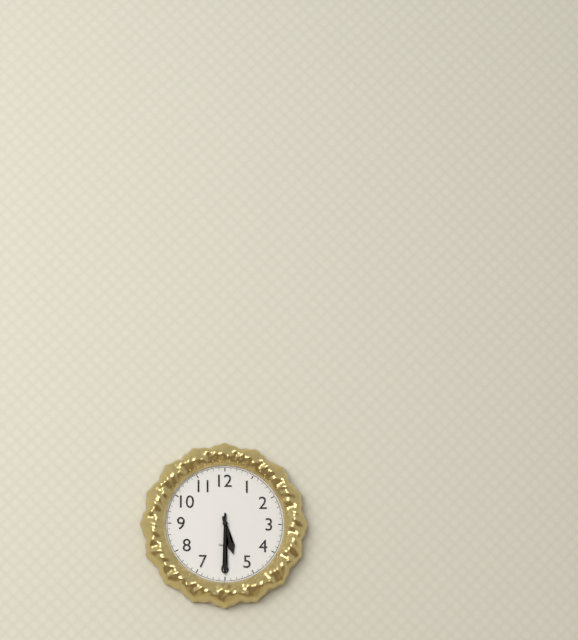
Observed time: 5:30
